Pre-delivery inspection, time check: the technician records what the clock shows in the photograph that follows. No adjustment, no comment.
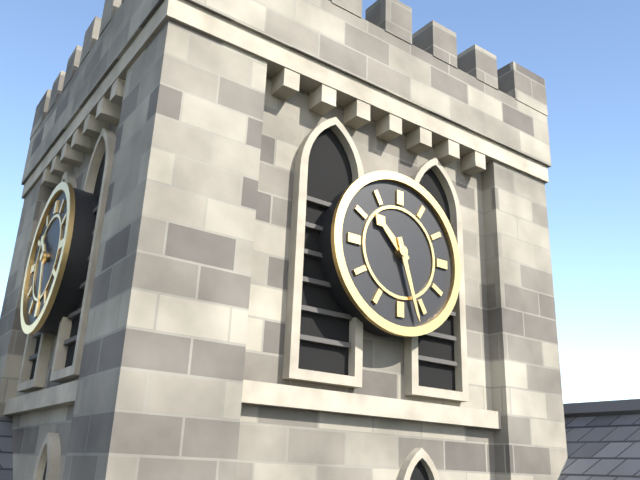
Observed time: 10:27
